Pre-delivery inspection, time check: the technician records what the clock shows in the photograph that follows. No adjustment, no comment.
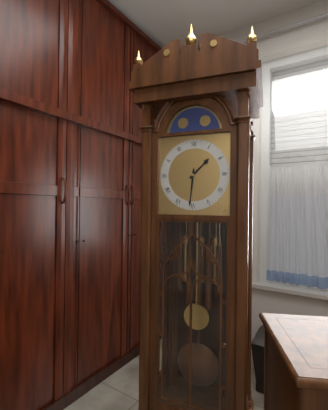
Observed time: 1:31
